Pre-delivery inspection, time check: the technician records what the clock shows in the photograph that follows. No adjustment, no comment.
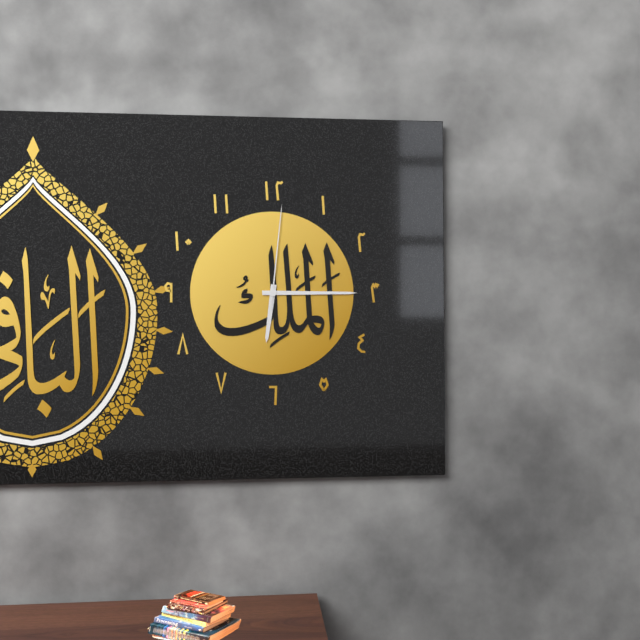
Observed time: 6:15:01
